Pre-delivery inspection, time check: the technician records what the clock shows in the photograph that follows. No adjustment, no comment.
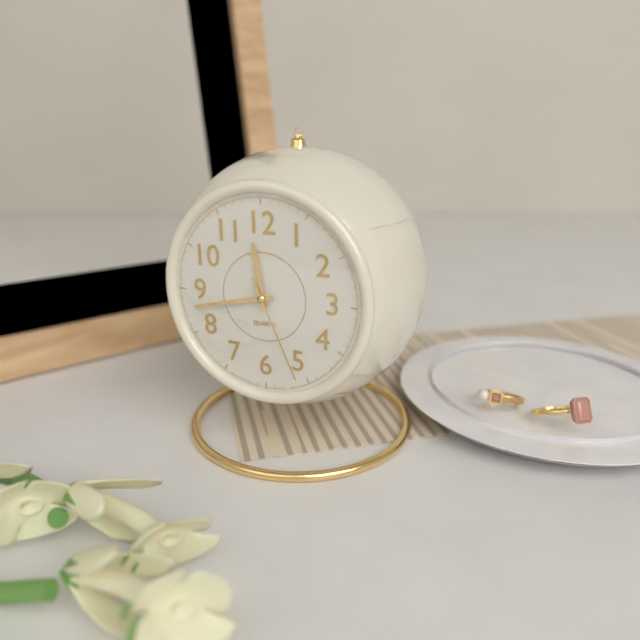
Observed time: 11:43:26
